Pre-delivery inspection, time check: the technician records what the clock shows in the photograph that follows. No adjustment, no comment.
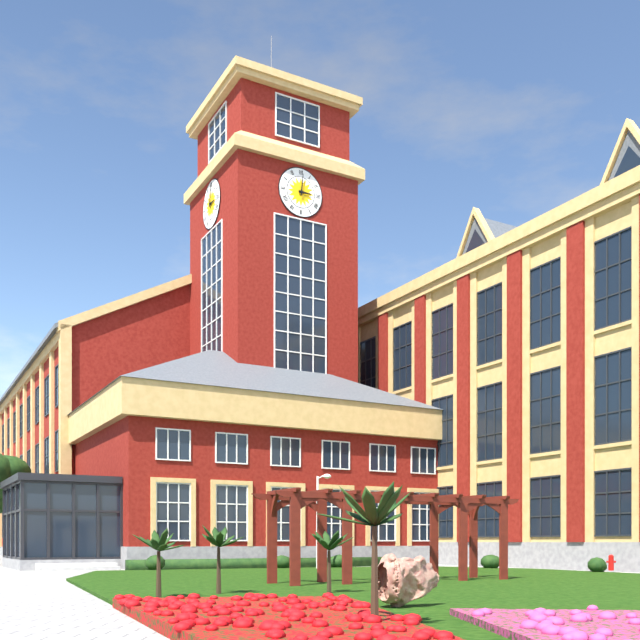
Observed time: 3:01
